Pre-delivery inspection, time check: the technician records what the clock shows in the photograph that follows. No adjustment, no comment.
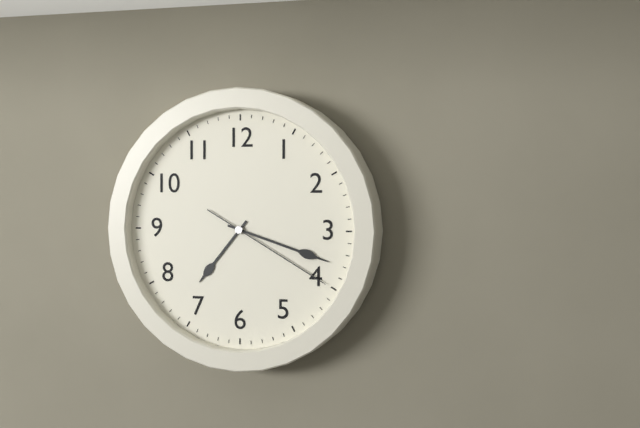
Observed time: 7:18:20
